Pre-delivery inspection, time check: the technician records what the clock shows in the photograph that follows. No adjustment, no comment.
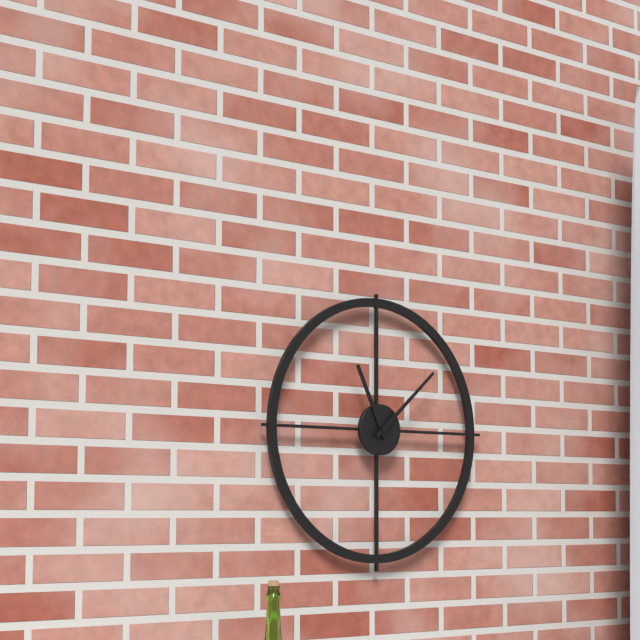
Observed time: 11:08
